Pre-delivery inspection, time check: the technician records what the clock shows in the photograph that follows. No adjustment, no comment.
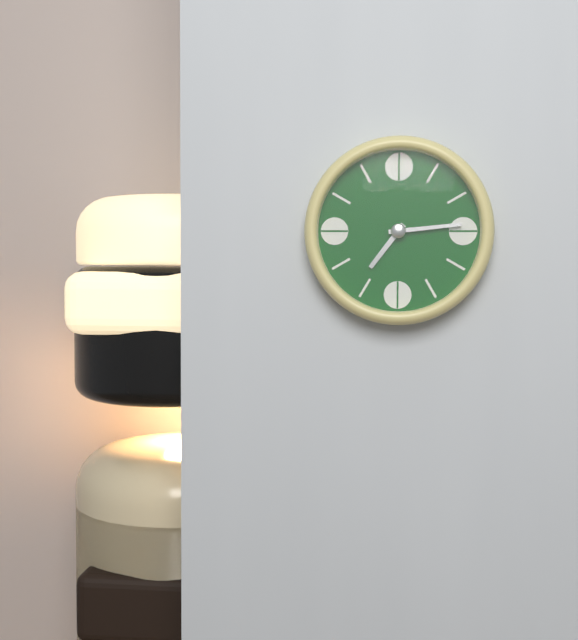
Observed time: 7:14
